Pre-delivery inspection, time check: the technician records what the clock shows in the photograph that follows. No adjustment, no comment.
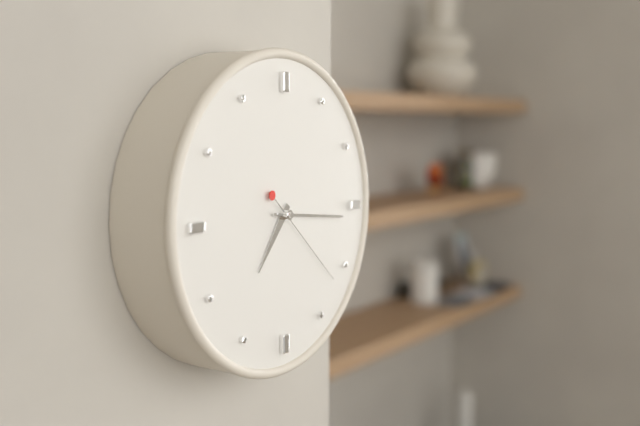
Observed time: 7:16:22
